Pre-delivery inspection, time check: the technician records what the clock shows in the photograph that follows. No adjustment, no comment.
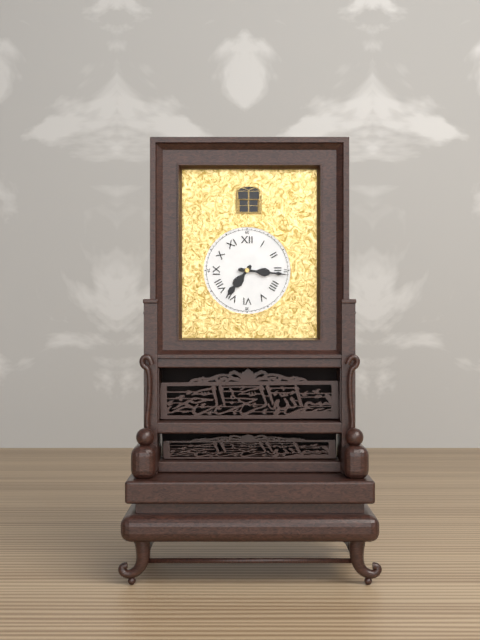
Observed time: 7:16
